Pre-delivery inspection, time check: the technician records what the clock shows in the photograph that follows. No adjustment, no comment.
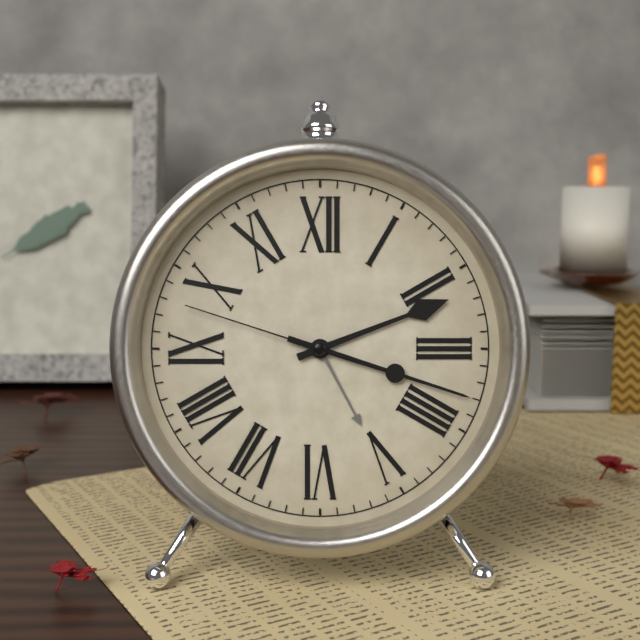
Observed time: 2:18:48
